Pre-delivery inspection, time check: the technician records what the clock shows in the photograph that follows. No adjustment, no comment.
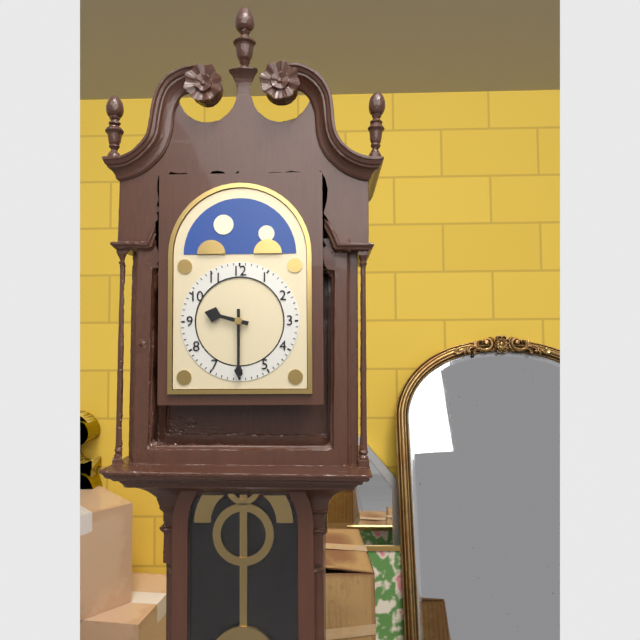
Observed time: 9:30
